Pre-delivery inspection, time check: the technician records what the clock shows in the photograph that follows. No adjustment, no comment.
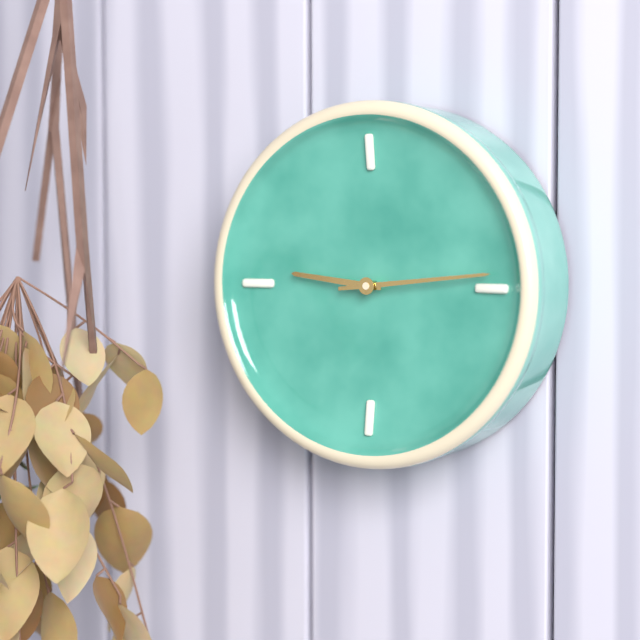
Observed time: 9:14
